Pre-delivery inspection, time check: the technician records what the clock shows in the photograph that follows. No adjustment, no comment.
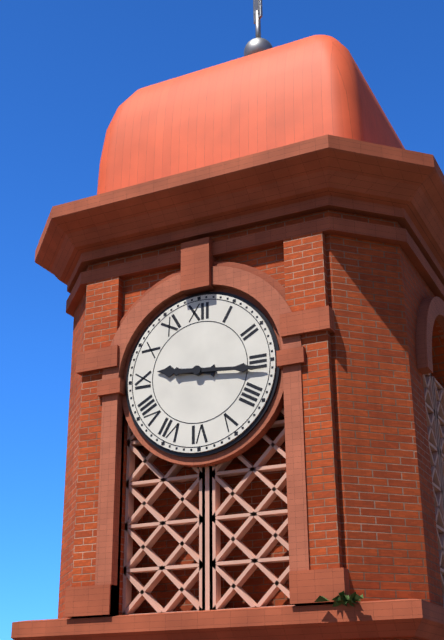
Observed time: 9:16
